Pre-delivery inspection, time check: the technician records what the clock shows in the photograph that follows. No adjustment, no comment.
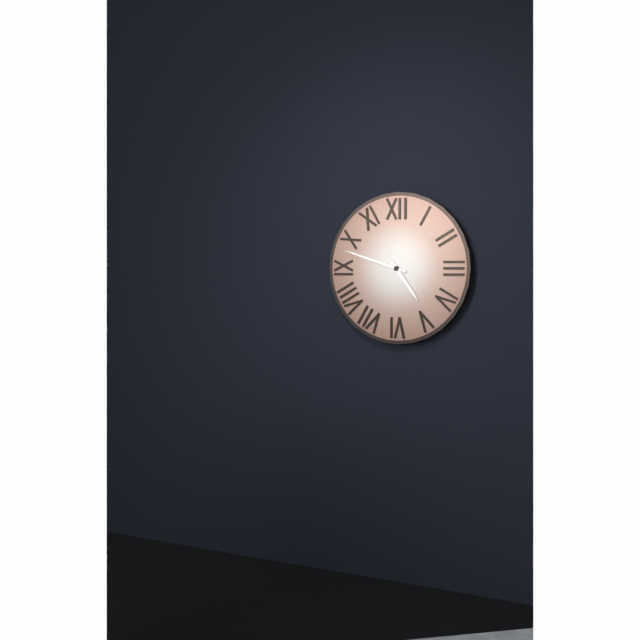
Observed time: 4:48
